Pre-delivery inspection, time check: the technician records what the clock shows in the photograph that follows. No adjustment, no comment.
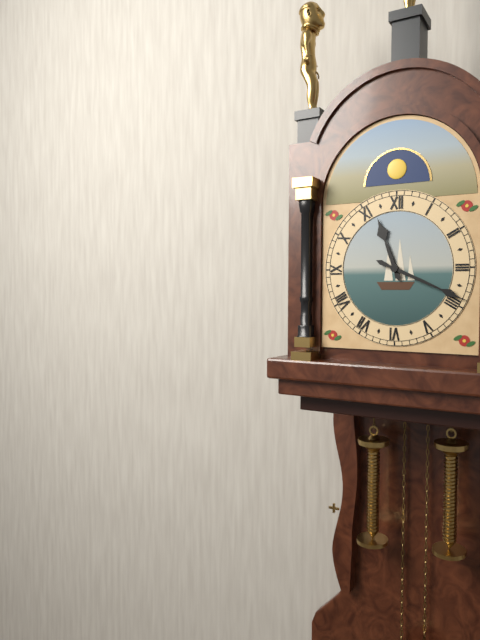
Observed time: 11:19
